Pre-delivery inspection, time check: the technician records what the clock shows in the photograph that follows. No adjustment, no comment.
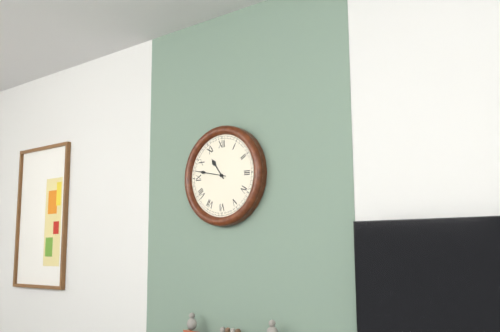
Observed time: 10:47
